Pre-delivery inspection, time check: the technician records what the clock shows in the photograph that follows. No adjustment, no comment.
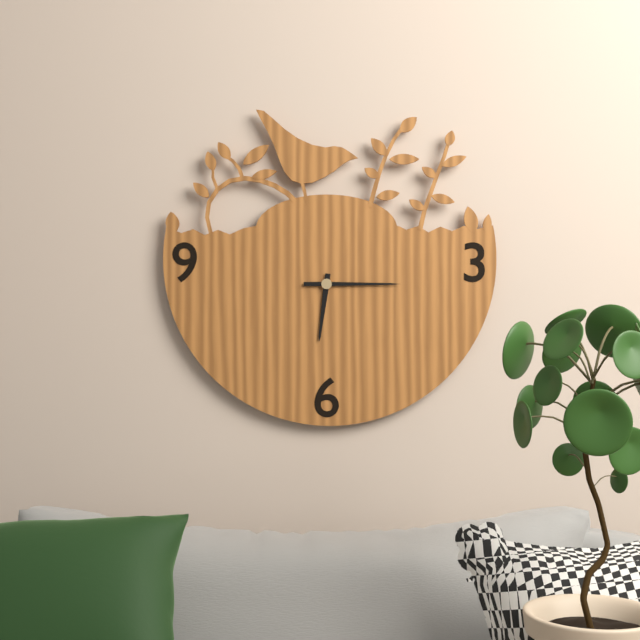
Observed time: 6:15
